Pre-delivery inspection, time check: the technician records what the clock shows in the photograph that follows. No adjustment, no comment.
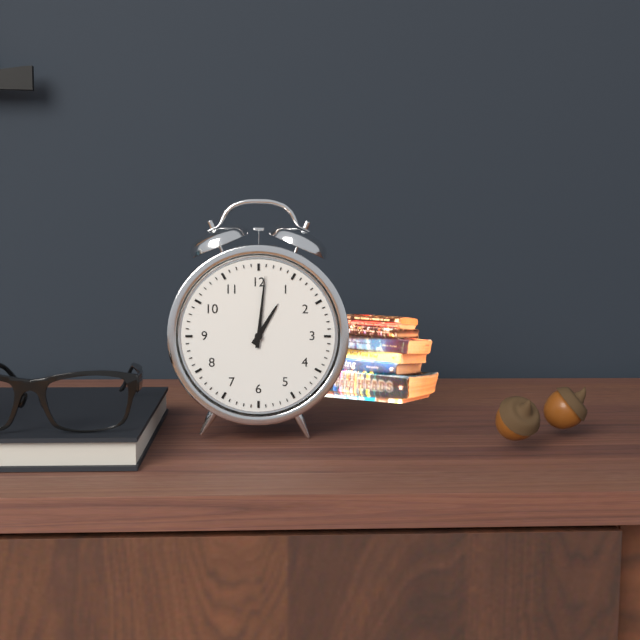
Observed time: 1:01
